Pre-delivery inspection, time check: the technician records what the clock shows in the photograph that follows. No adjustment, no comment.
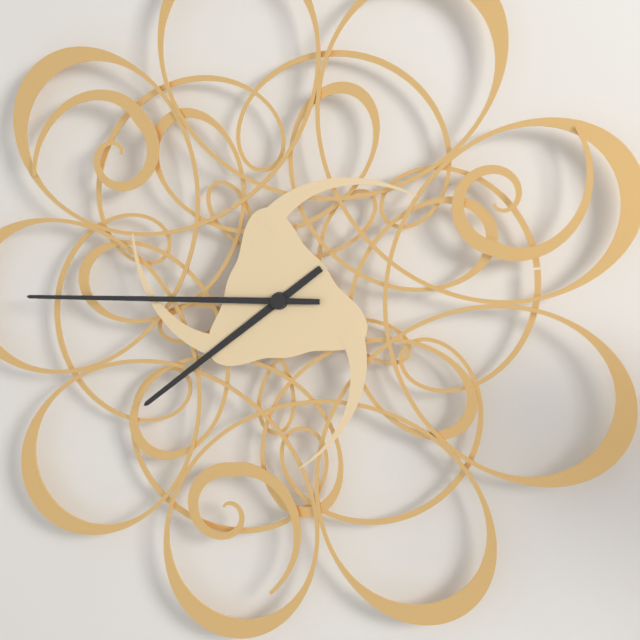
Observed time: 7:45
